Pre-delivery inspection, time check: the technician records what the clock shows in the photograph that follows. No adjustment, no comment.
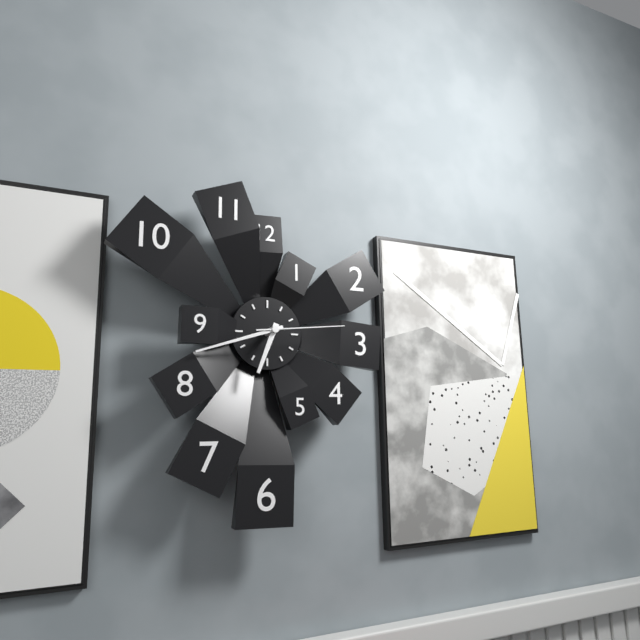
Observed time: 6:42:14
